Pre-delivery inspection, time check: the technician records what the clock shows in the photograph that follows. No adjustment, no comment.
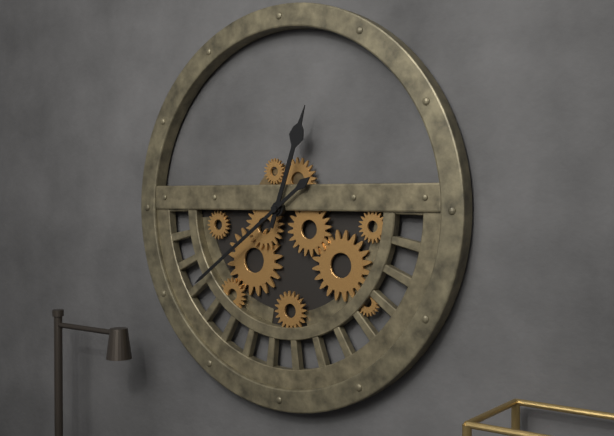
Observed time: 12:39
